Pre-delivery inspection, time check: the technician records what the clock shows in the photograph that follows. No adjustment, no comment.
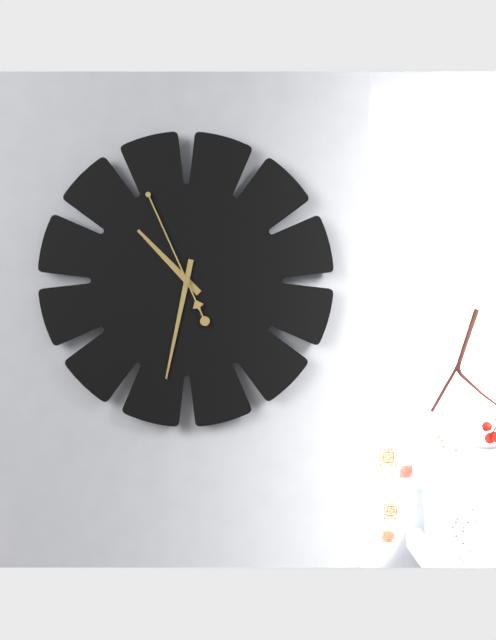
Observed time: 10:32:56
